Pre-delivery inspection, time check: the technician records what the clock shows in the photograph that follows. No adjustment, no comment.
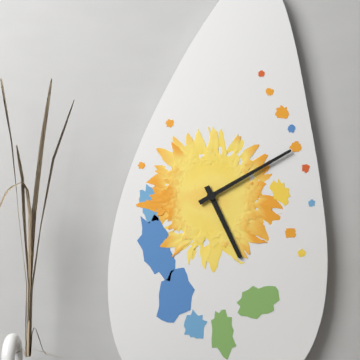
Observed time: 5:10
